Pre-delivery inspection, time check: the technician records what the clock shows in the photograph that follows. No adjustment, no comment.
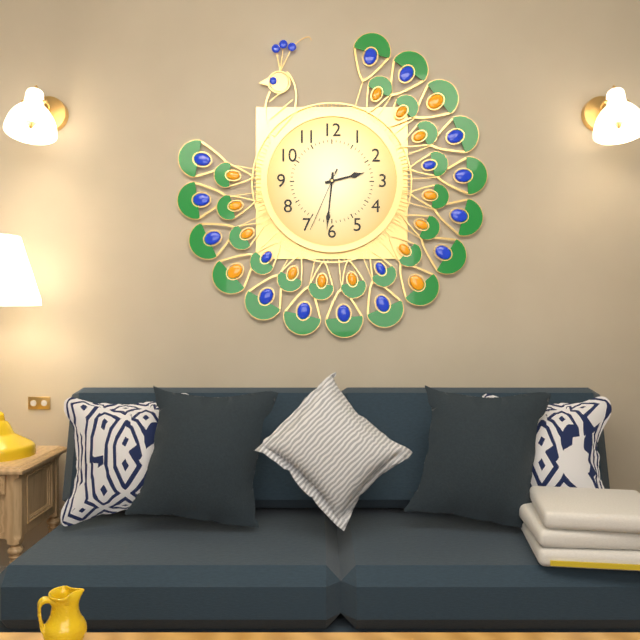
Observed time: 2:31:34
